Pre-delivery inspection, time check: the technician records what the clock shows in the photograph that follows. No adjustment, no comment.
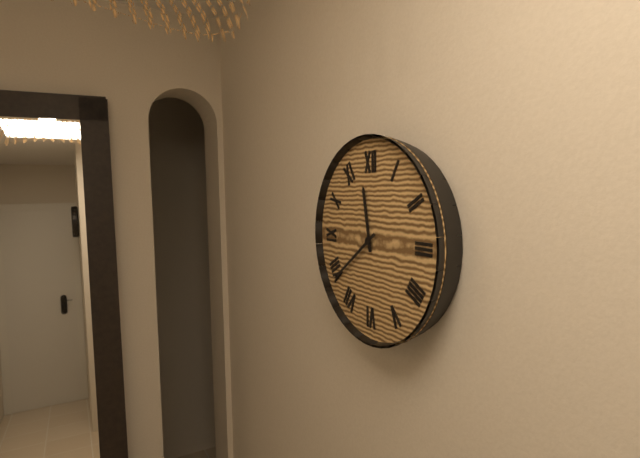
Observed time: 11:39
